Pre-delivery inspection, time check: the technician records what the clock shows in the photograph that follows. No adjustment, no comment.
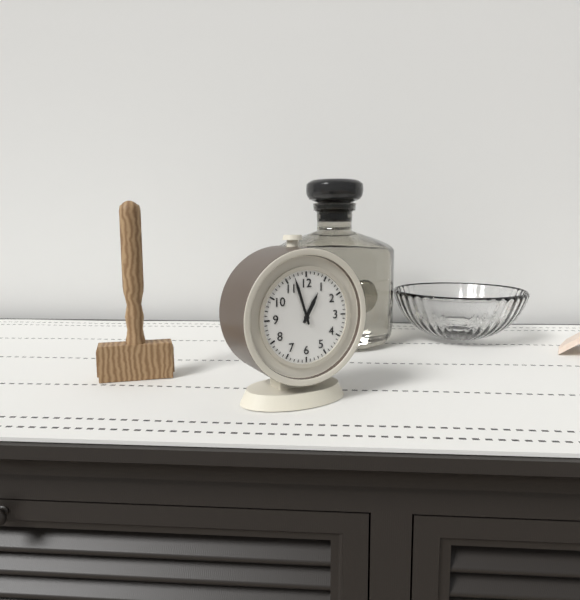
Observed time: 12:57
